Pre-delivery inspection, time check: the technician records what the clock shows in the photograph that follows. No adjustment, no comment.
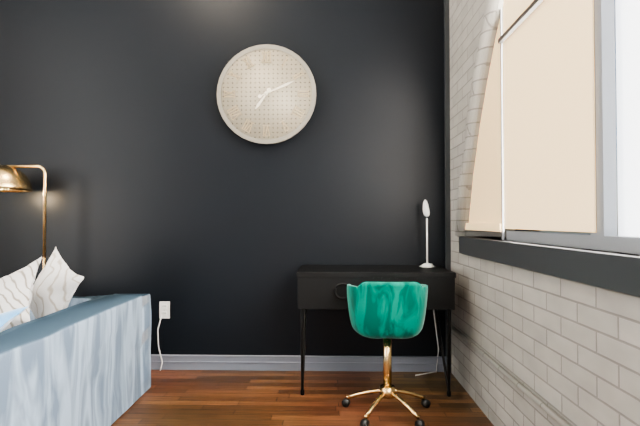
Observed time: 7:11
